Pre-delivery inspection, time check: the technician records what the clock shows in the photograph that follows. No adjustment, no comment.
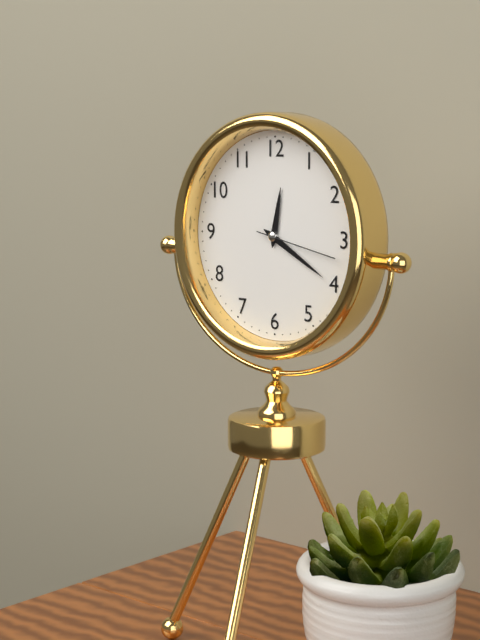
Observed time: 12:20:17
